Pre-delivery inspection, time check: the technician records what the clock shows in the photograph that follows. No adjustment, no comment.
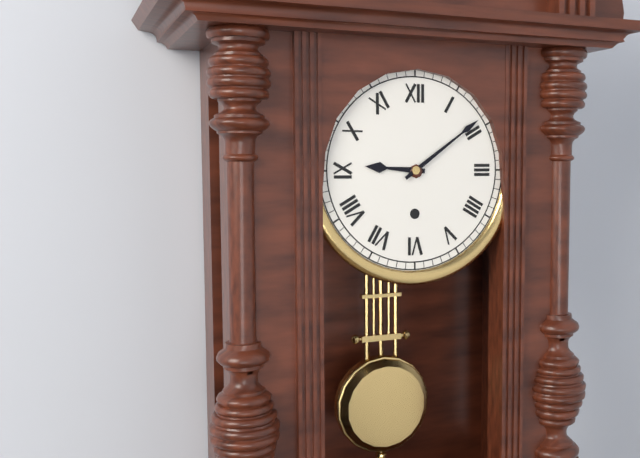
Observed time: 9:09
